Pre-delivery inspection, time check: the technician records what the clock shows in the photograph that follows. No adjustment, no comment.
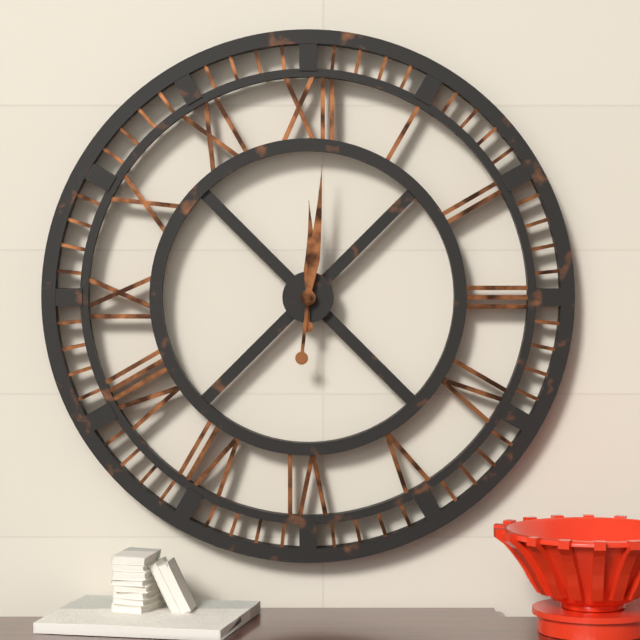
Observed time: 12:01
